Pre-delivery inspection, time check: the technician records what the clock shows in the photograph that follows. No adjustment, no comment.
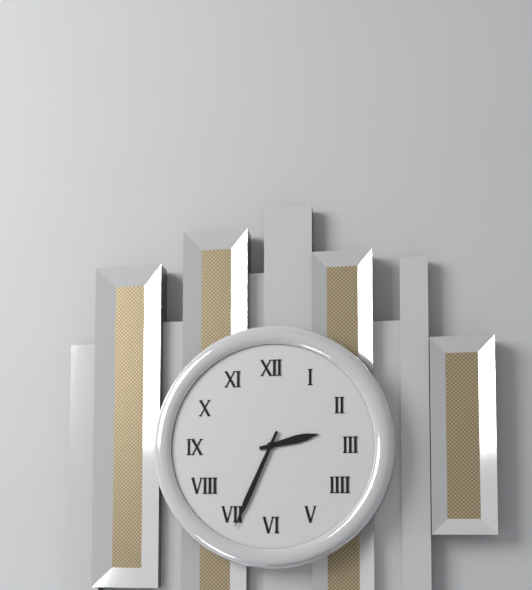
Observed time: 2:34
